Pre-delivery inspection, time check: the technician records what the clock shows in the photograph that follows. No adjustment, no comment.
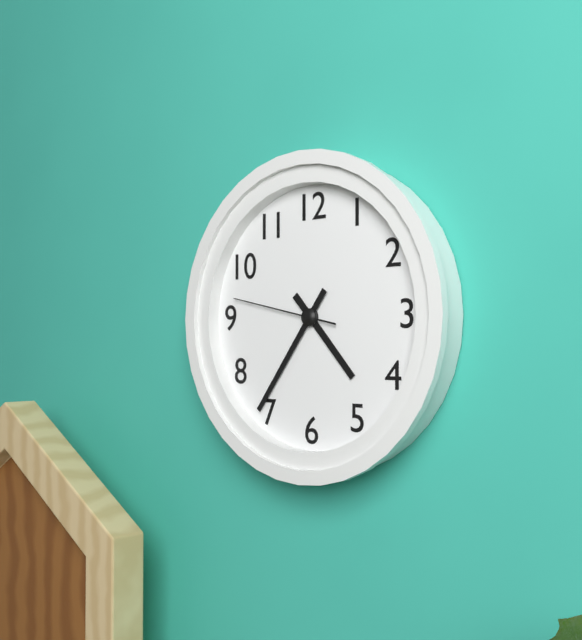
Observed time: 4:36:47
